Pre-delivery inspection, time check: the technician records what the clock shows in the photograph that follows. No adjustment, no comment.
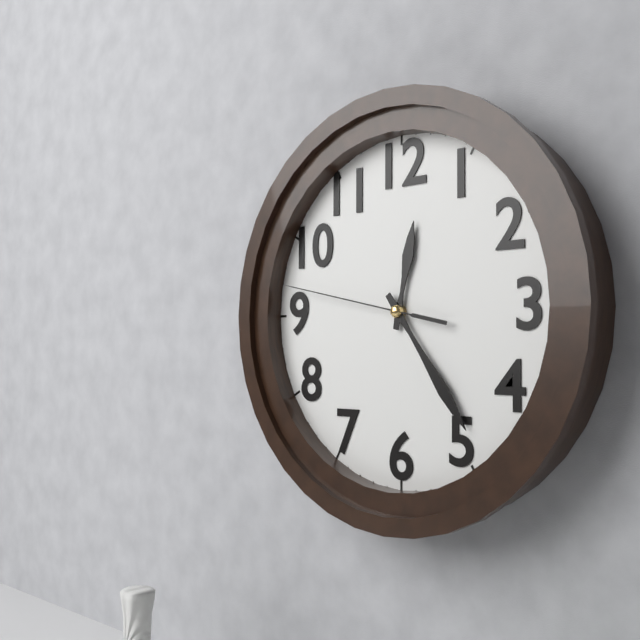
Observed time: 12:24:47
